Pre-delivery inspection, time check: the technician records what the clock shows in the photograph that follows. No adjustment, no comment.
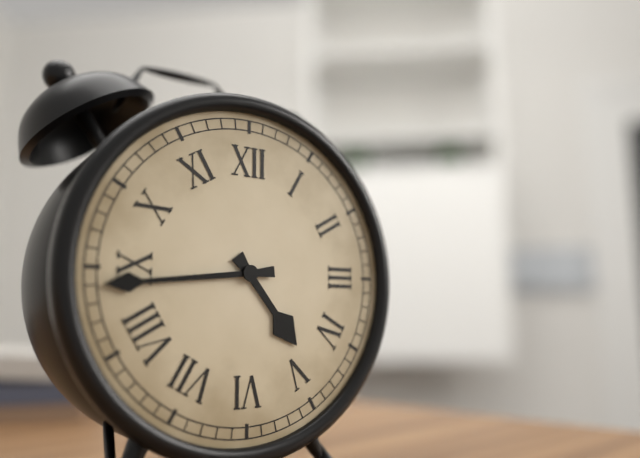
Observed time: 4:44
